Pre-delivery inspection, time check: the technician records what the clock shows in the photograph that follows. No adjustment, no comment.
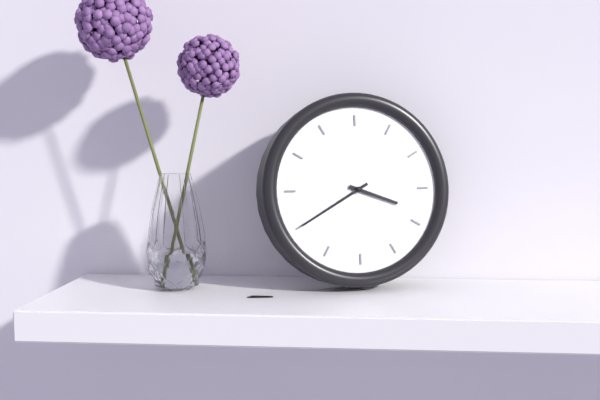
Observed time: 3:40
